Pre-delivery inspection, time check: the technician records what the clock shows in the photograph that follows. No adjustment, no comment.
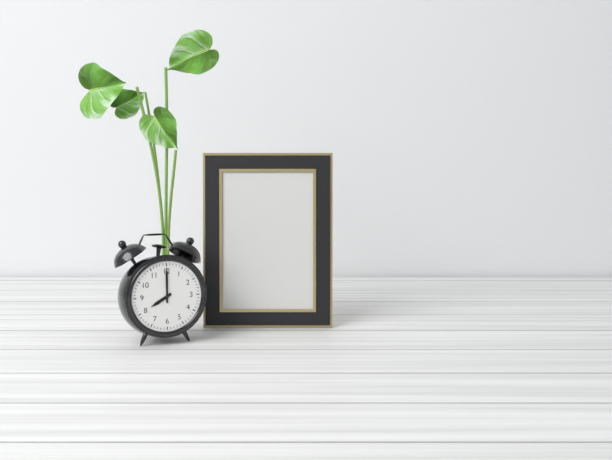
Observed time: 8:00
